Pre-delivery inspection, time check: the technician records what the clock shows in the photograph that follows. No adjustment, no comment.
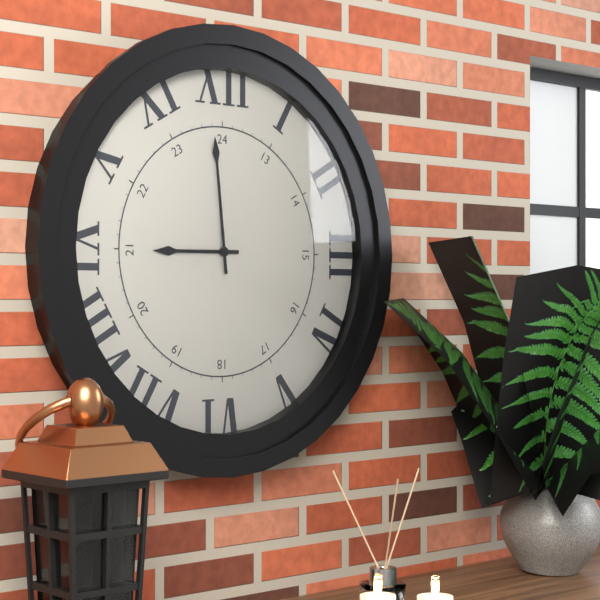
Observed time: 8:59
